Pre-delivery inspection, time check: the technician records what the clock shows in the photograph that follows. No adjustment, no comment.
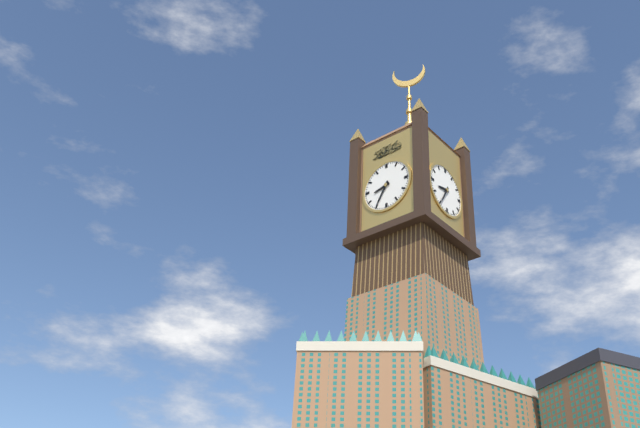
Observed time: 8:35
